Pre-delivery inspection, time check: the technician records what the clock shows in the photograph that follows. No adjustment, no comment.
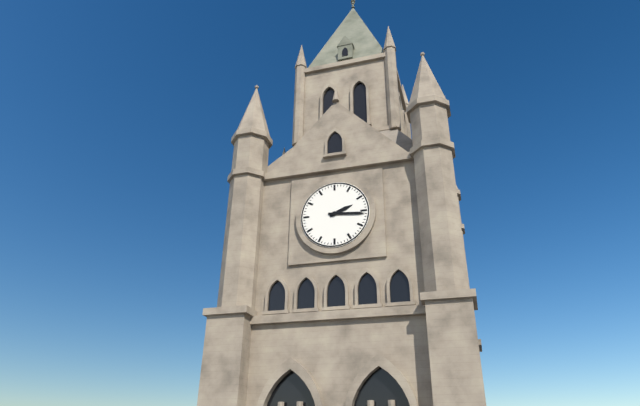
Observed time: 2:16
